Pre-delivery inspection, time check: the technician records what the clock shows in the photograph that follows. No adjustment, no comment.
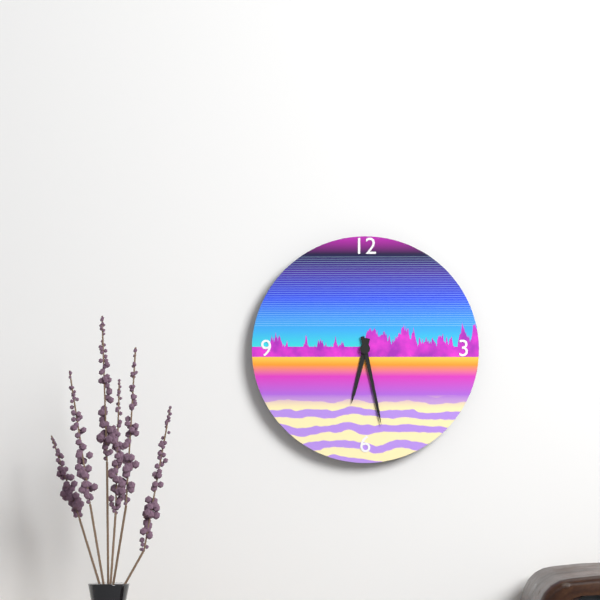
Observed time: 6:28
